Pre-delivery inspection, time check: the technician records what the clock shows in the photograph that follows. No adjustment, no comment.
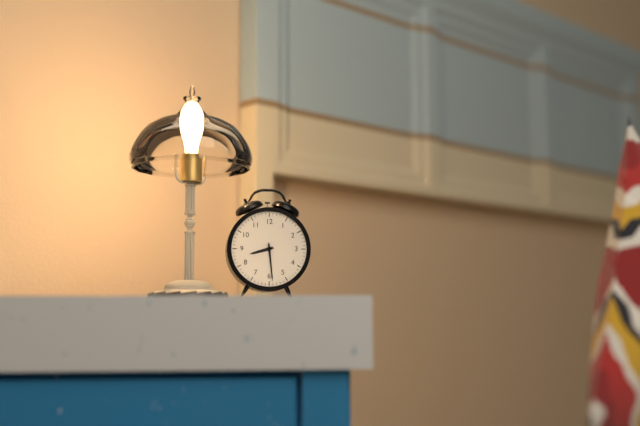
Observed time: 8:29
